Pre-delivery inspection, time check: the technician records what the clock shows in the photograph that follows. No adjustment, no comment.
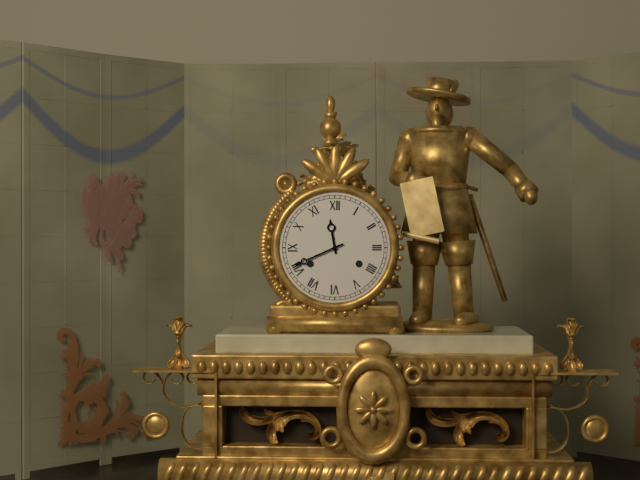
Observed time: 11:41
